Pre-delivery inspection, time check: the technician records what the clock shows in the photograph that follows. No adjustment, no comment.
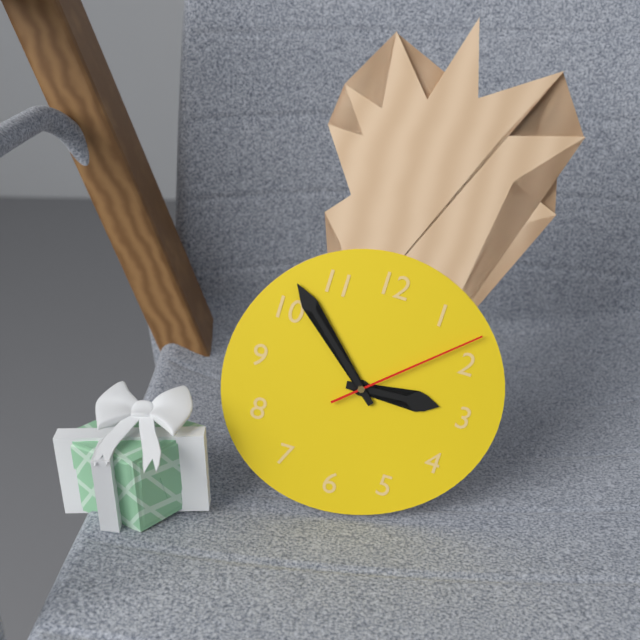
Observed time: 2:52:08
